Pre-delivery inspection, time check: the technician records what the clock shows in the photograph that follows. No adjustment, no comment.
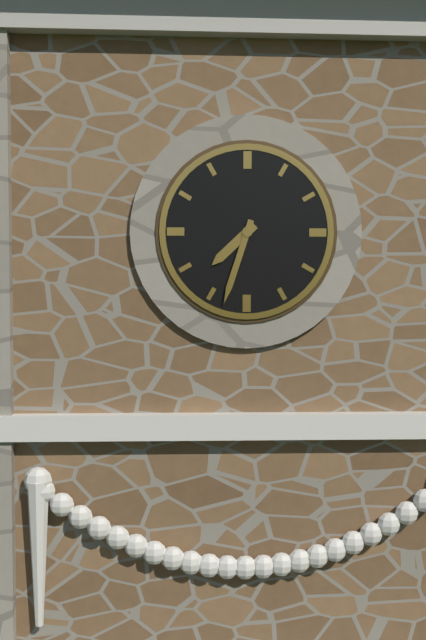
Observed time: 7:33
